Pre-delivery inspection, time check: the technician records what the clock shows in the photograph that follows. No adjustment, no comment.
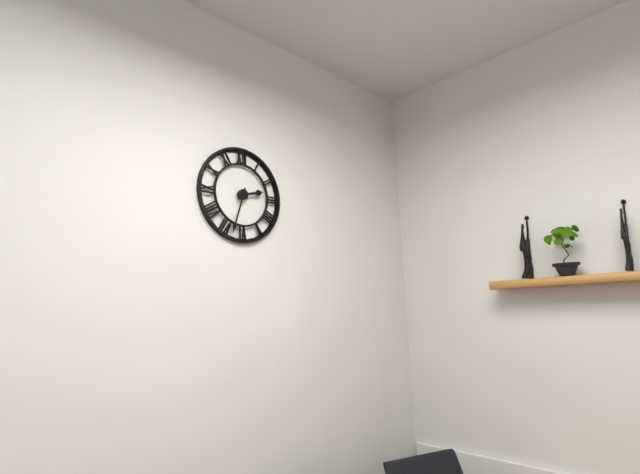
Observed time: 2:33
